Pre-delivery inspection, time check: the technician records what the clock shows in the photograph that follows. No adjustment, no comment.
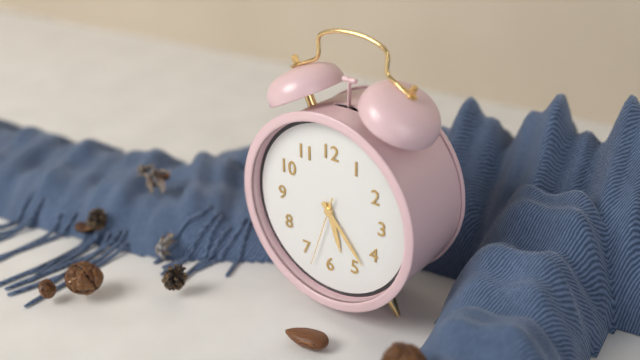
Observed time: 5:23:33
